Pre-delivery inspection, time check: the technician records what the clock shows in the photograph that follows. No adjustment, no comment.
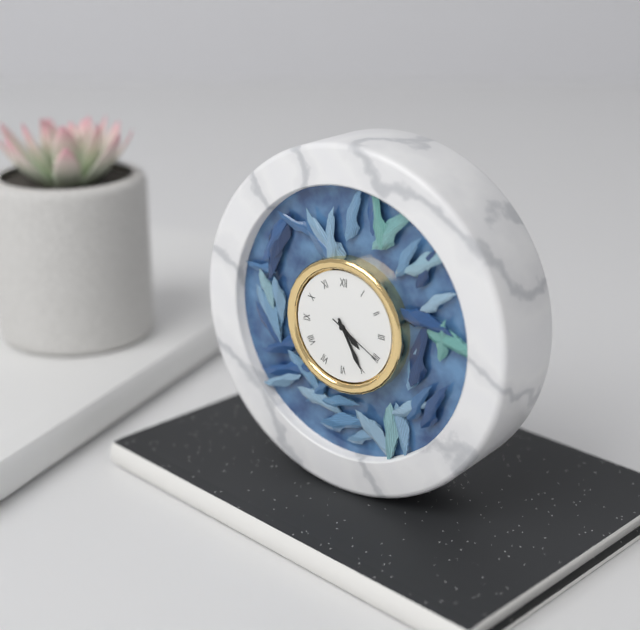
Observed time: 4:25:20
